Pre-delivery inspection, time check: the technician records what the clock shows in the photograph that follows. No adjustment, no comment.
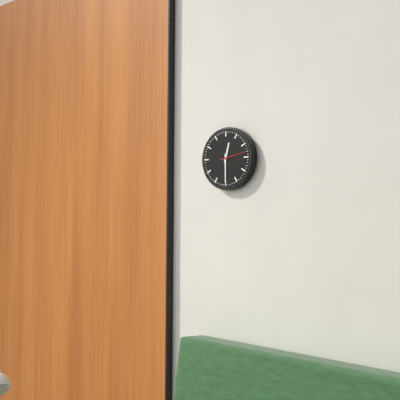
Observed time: 12:30
